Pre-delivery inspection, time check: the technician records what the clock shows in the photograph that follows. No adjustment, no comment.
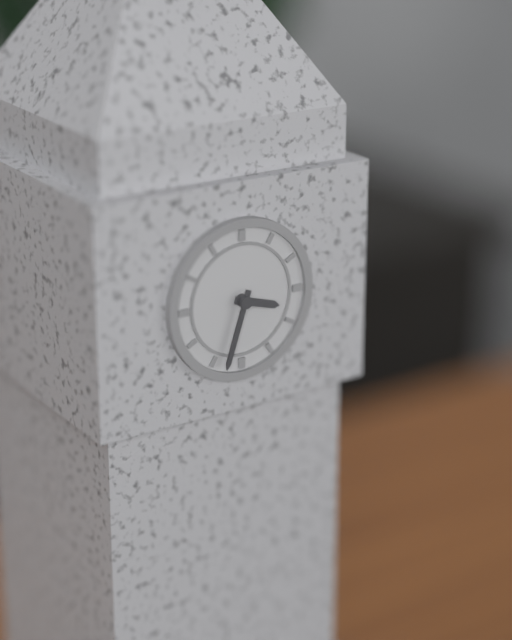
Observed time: 3:33
